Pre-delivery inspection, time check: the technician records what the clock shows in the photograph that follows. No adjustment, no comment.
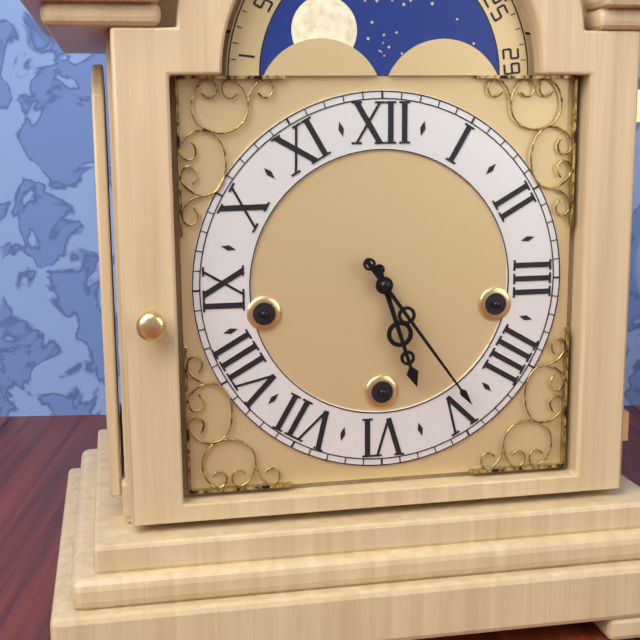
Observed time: 5:24
